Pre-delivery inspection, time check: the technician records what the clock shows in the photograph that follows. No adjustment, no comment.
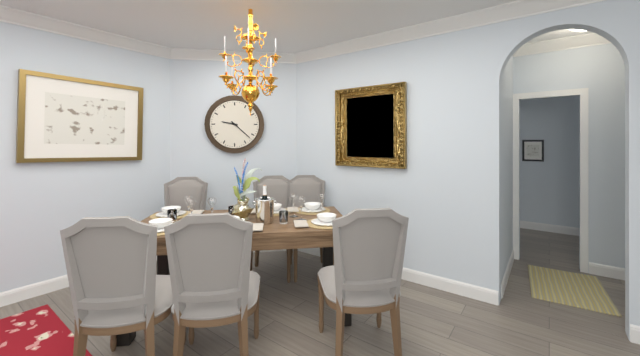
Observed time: 9:22
